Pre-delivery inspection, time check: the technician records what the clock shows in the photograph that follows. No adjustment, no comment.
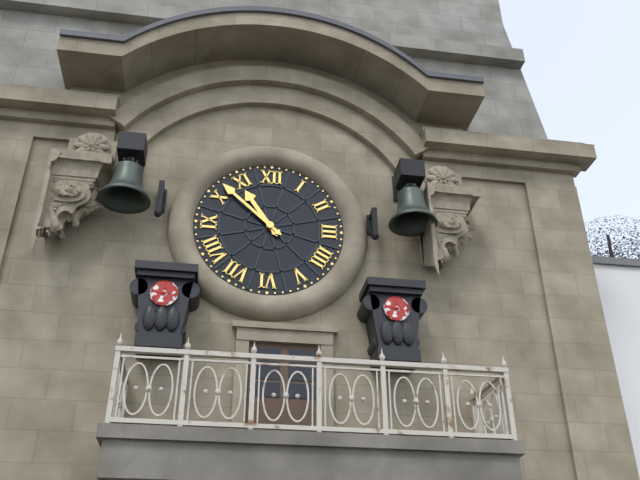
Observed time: 10:52
